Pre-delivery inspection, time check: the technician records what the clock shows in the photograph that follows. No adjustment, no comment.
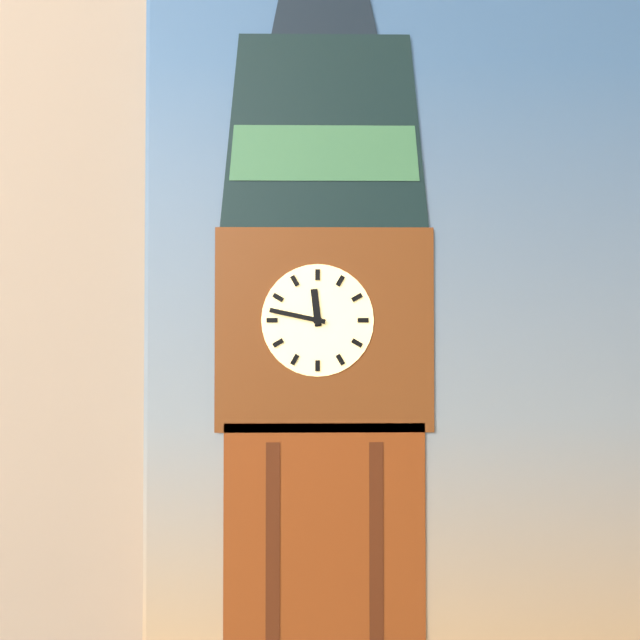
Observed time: 11:47
